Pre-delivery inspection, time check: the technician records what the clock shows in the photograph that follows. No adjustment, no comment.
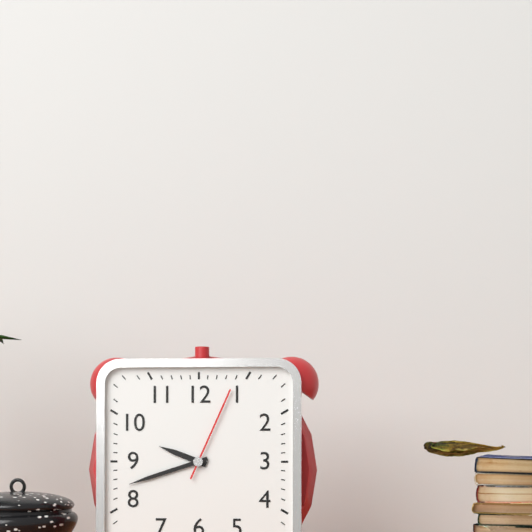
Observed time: 9:42:04
